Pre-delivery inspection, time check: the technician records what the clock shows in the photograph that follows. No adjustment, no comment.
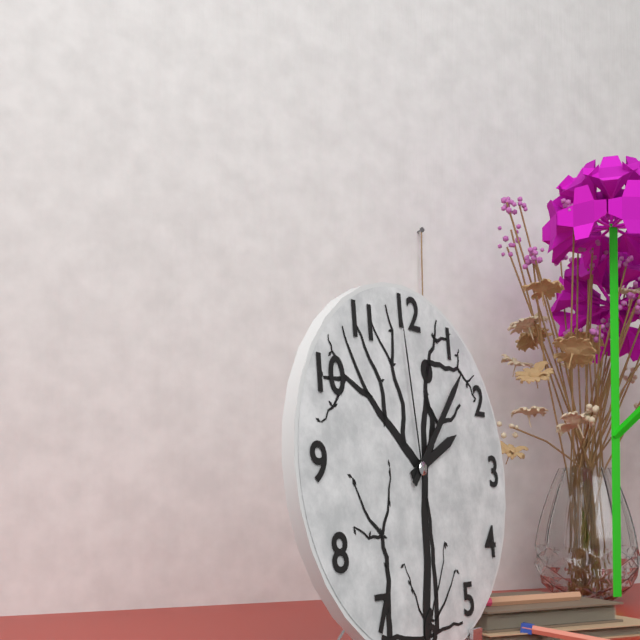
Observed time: 2:07:59
